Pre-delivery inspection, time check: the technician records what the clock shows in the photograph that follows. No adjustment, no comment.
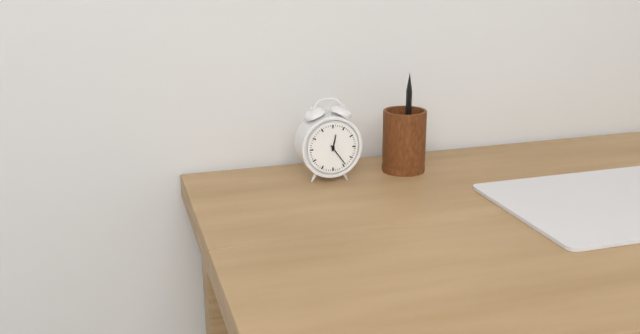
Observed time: 12:24
